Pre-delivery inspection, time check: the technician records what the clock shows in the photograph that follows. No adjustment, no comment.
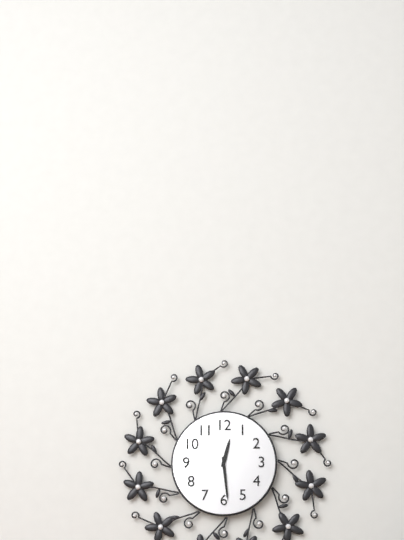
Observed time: 12:29
